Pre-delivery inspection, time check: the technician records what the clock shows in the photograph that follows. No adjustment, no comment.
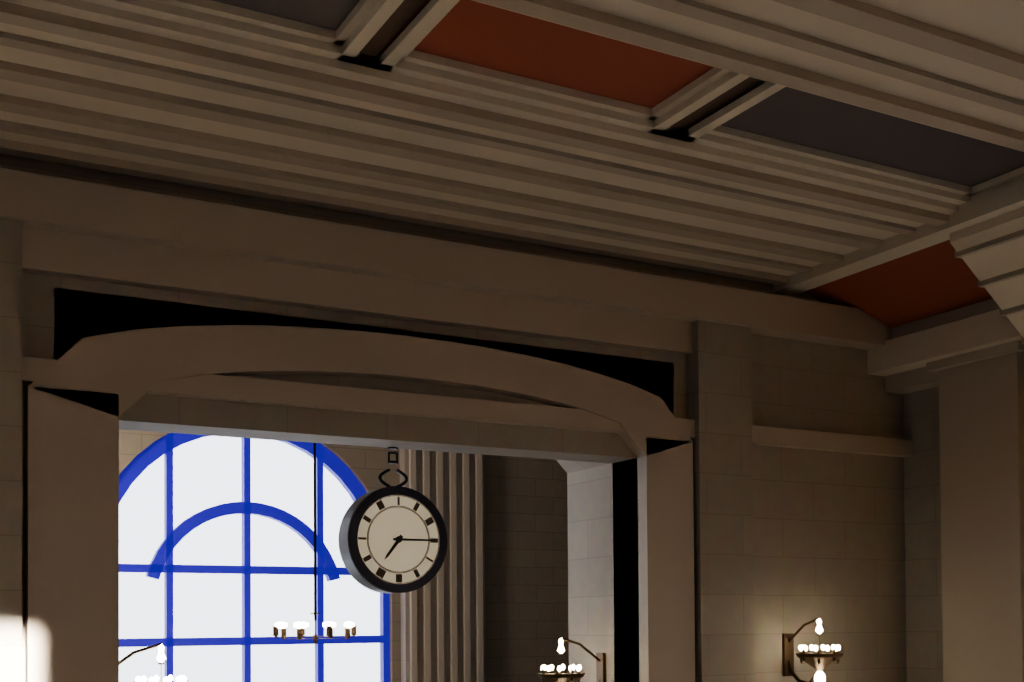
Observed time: 7:15
